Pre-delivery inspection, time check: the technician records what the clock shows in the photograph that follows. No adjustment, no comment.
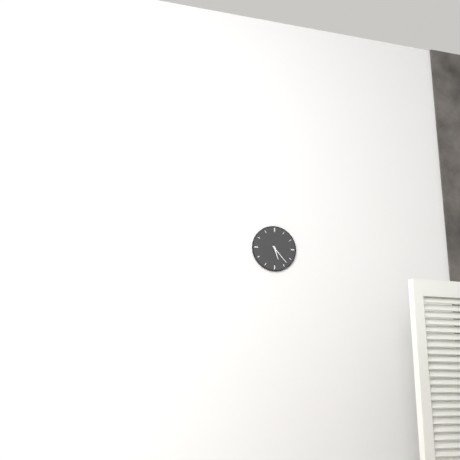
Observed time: 5:23
